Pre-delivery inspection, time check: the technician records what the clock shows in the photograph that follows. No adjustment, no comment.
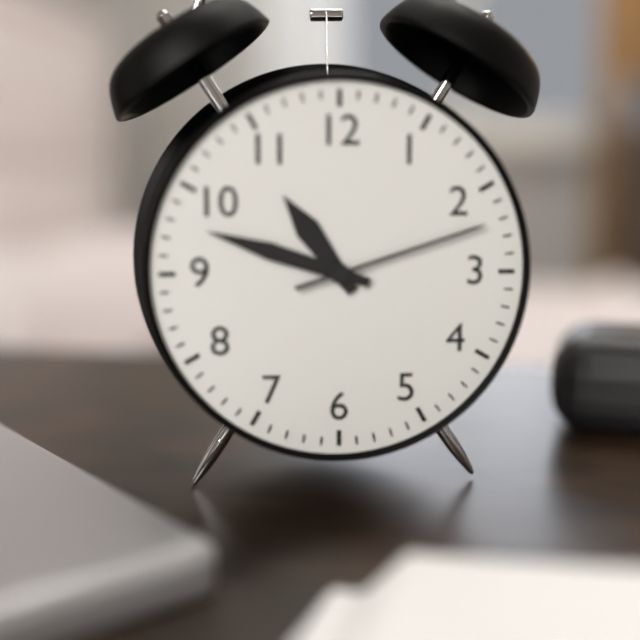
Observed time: 10:48:12
